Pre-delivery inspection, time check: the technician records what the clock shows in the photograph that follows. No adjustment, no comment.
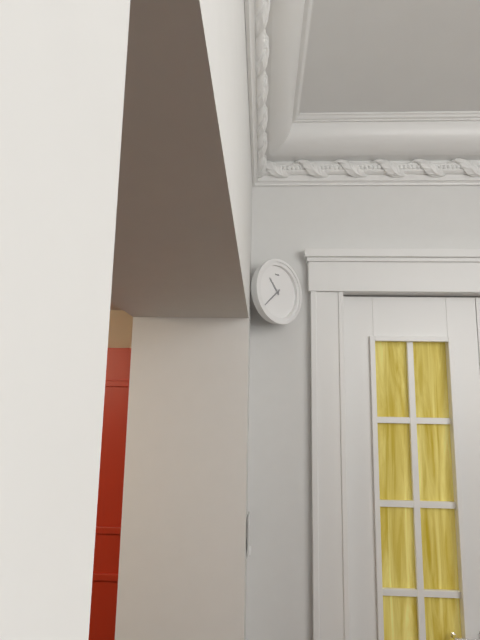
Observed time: 10:38
